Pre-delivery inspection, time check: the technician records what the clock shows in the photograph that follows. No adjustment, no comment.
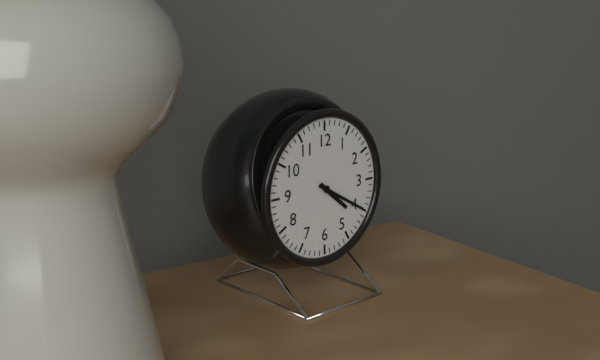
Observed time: 4:20
